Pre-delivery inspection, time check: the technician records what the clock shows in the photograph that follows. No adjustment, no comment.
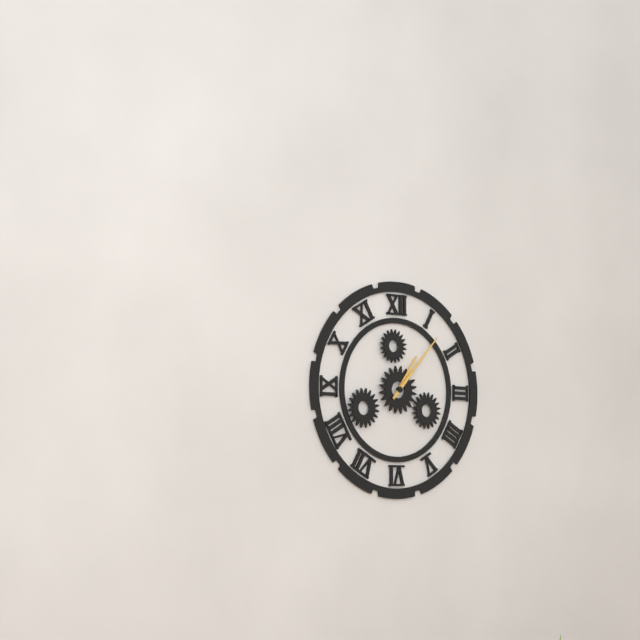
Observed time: 1:07
